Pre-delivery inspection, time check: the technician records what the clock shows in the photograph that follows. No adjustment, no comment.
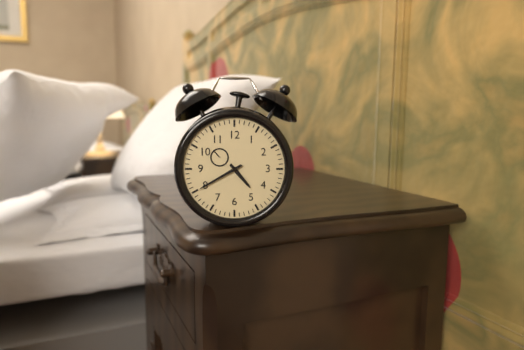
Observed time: 4:40
